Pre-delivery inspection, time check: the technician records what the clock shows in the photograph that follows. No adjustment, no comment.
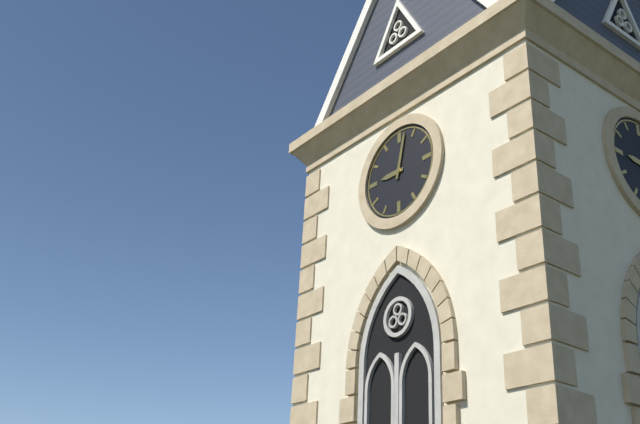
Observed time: 9:02
